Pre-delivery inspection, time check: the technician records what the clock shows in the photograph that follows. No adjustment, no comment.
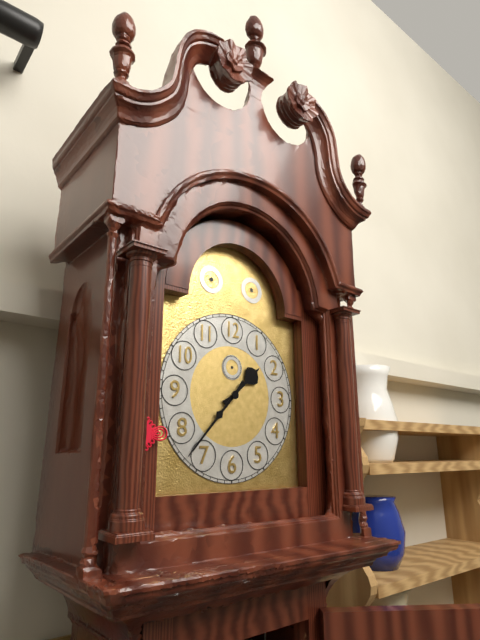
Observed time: 1:37
